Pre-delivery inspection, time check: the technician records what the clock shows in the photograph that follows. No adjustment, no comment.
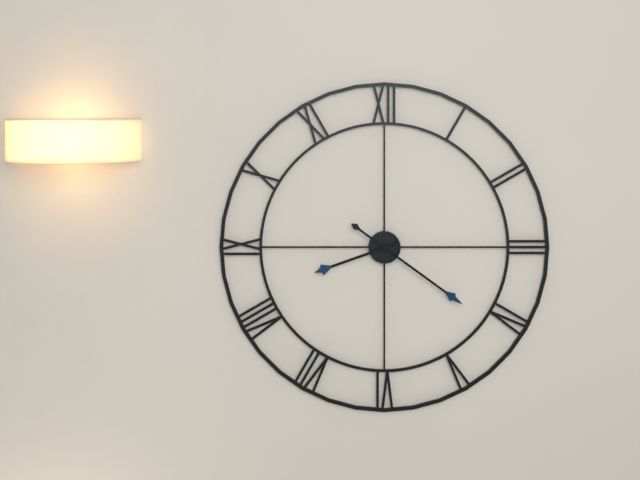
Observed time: 8:21
